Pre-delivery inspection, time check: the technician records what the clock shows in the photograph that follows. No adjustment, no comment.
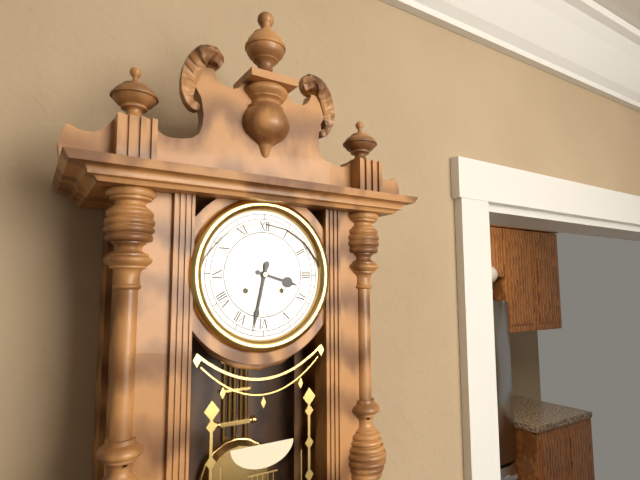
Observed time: 3:32
